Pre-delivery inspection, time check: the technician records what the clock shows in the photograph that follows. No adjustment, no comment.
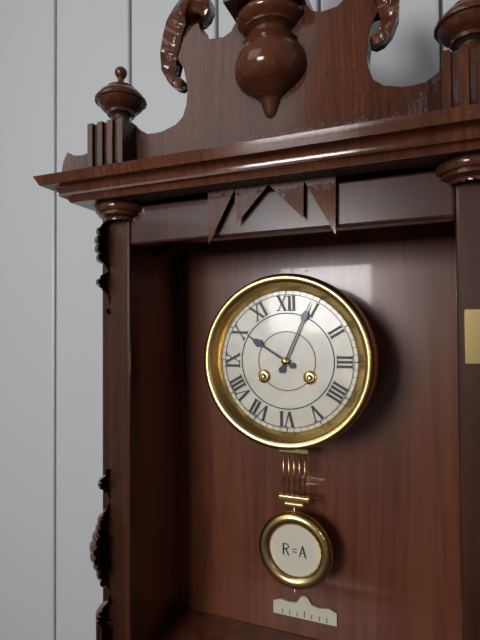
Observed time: 10:04
